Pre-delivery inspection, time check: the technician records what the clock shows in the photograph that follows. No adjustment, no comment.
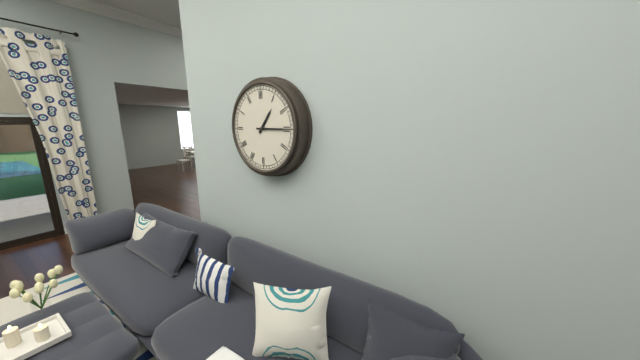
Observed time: 1:15
